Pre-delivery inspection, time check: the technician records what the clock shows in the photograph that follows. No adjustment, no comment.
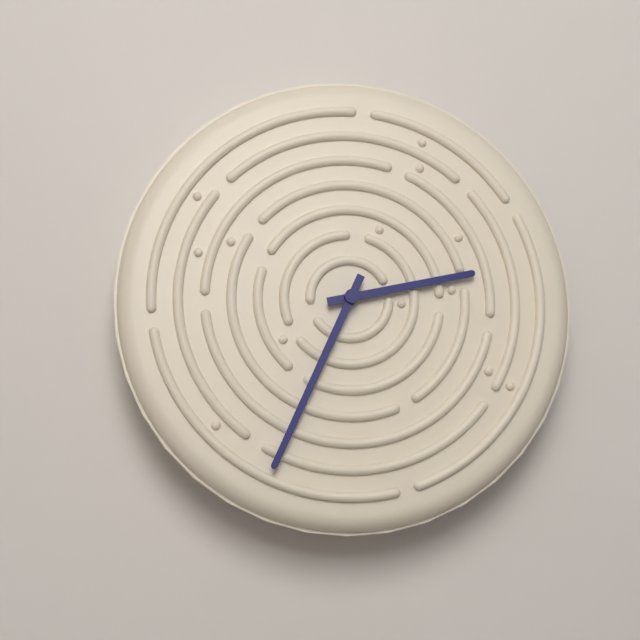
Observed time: 2:34
